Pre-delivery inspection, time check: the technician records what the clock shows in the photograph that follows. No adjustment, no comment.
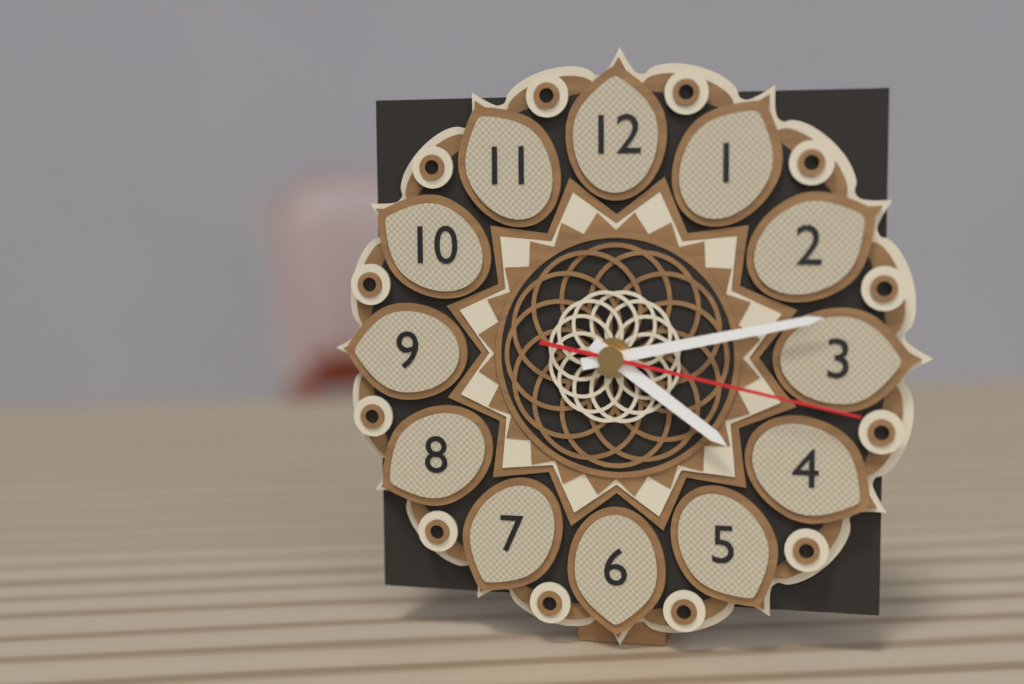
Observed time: 4:13:17
